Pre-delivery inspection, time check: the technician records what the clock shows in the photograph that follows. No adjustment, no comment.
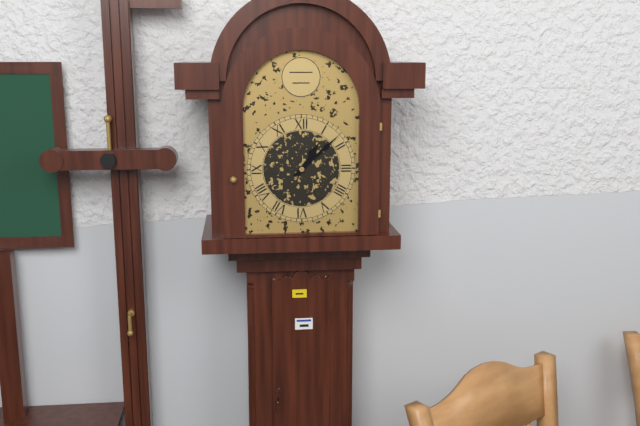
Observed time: 1:08
